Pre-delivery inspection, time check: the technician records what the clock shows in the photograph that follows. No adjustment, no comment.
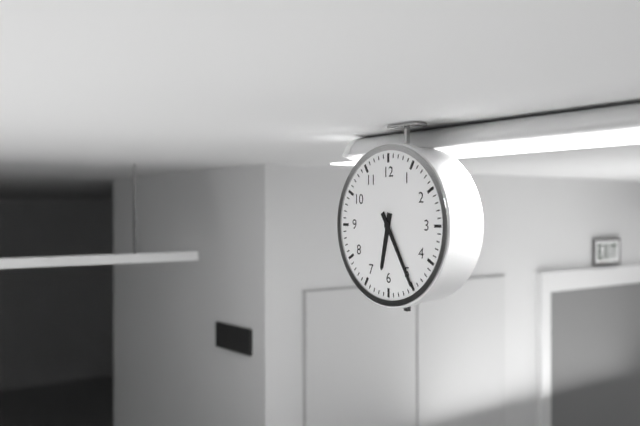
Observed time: 6:25
